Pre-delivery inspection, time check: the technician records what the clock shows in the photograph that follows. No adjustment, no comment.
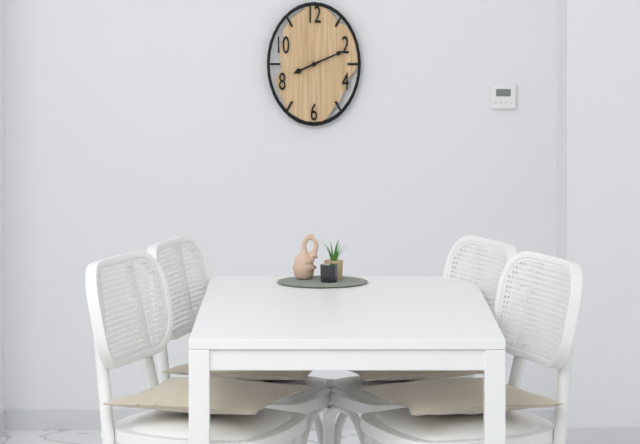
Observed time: 8:11
